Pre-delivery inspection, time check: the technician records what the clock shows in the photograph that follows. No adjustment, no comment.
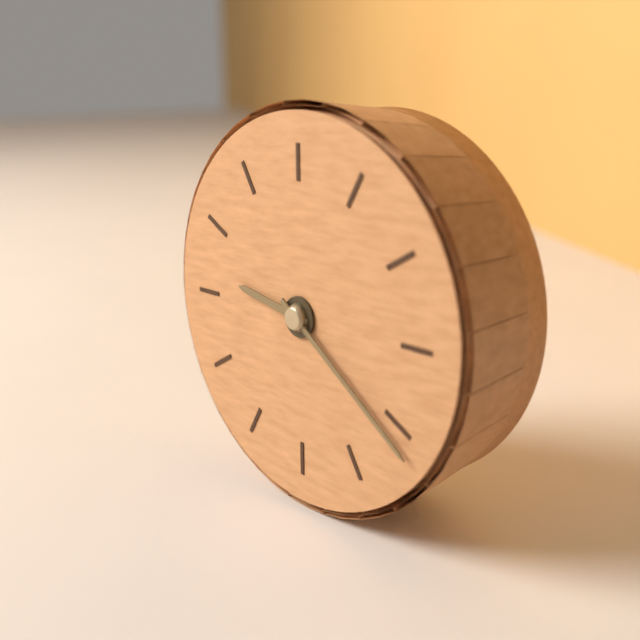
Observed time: 9:21
